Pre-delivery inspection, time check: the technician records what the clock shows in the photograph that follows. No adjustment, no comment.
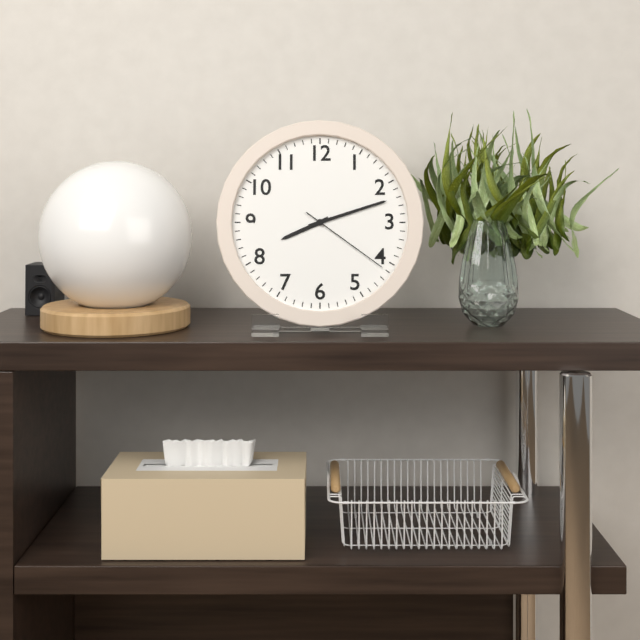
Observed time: 8:12:21
